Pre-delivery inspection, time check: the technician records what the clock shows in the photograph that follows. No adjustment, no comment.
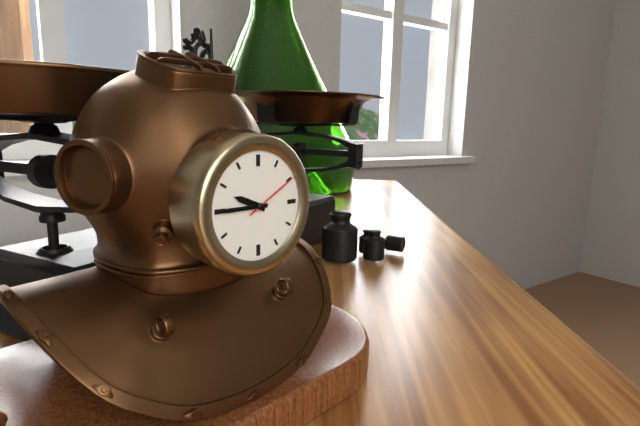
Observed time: 9:45:10
